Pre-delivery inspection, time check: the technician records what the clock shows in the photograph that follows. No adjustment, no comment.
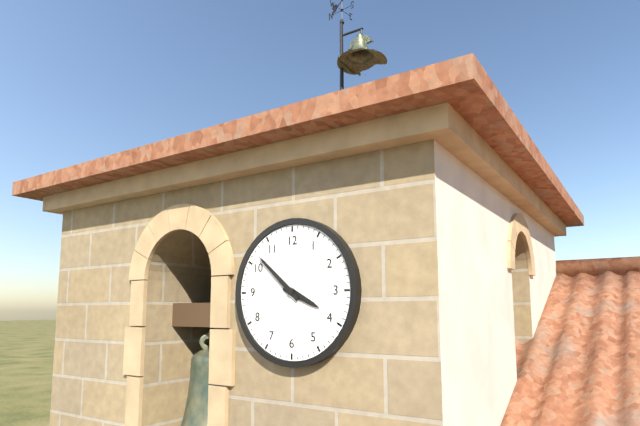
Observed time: 3:52
